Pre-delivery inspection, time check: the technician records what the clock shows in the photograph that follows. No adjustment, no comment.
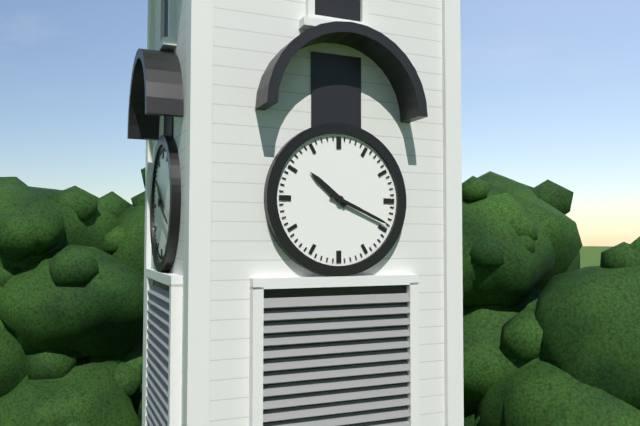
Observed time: 10:19
